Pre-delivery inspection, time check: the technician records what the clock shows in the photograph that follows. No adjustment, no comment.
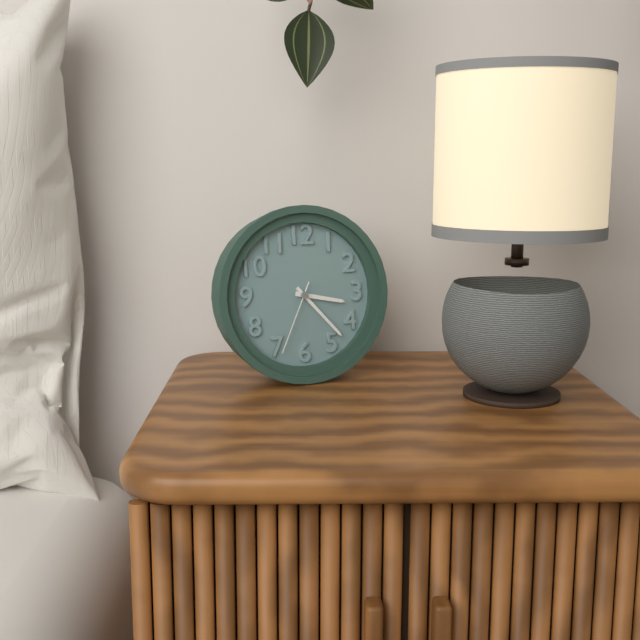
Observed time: 3:23:34
